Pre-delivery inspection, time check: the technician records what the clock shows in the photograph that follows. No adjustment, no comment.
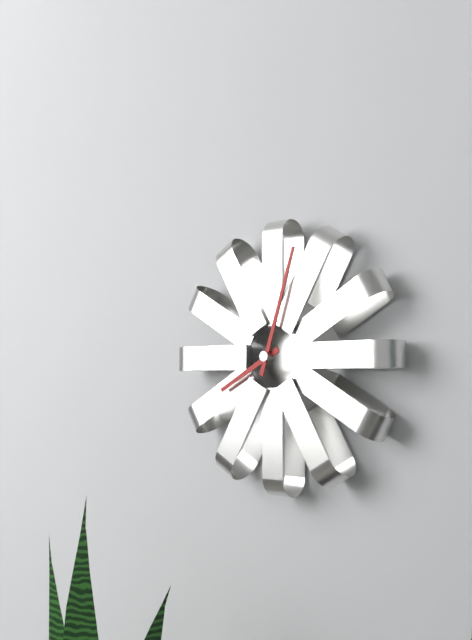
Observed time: 8:03
